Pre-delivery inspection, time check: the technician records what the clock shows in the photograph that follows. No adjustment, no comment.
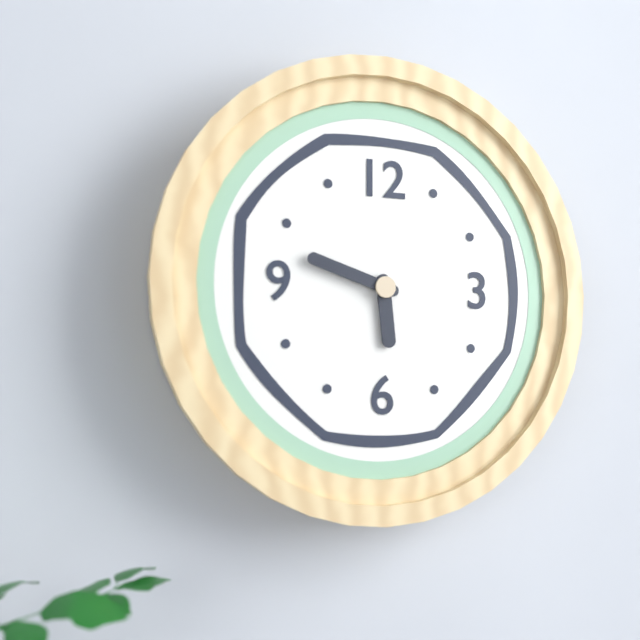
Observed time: 5:48
